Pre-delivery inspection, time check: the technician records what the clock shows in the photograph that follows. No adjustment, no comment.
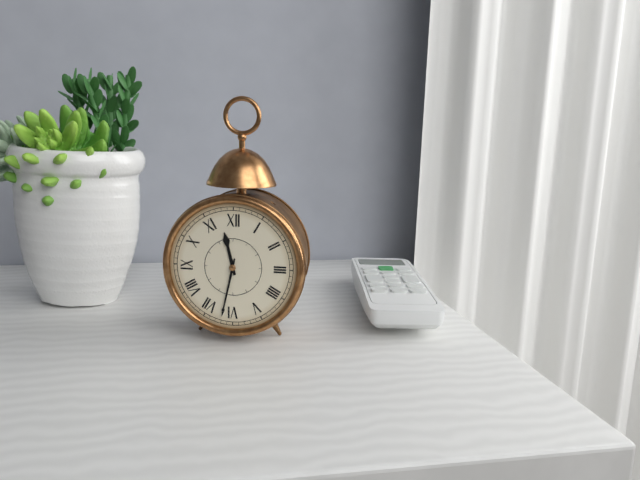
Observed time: 11:32
